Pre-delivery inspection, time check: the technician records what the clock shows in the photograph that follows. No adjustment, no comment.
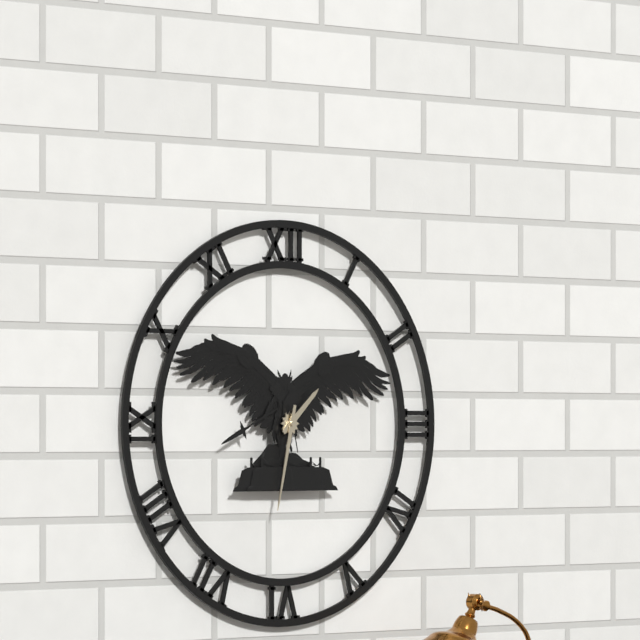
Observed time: 1:32
